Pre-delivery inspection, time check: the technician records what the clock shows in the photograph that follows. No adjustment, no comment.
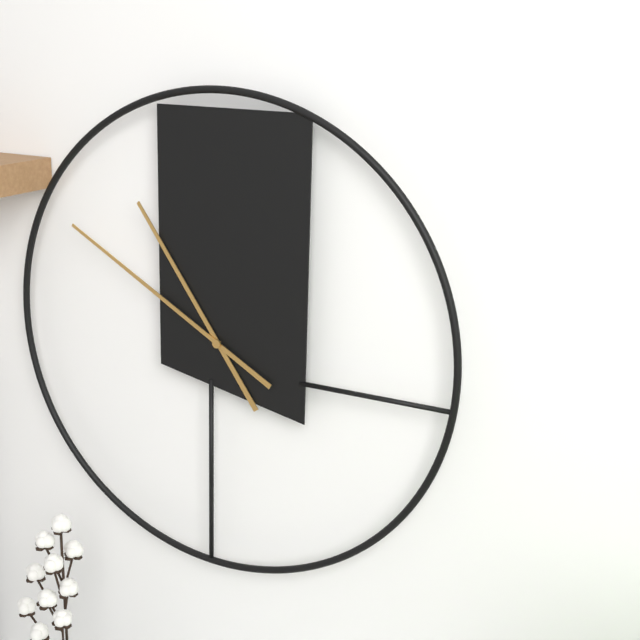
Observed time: 10:50
